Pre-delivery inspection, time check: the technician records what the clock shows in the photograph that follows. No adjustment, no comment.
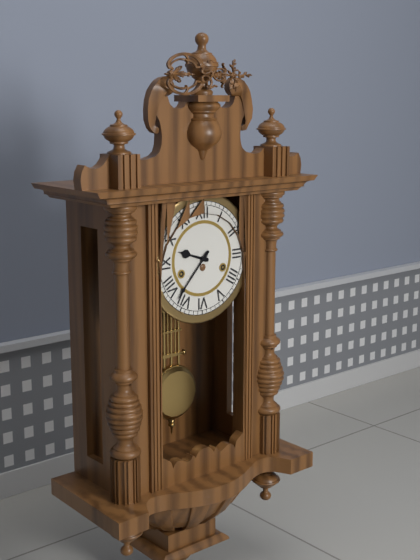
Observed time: 9:37
